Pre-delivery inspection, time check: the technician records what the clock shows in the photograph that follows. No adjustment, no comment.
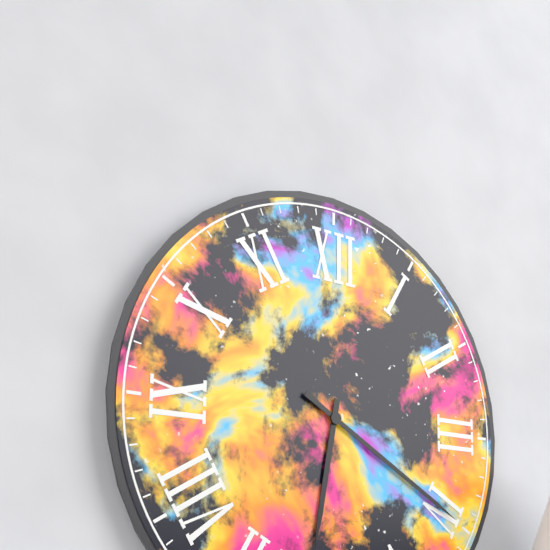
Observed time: 6:20
